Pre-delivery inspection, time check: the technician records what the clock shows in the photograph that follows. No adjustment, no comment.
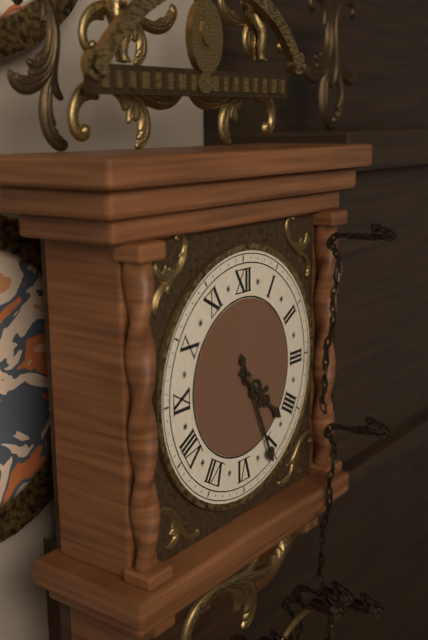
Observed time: 4:26
